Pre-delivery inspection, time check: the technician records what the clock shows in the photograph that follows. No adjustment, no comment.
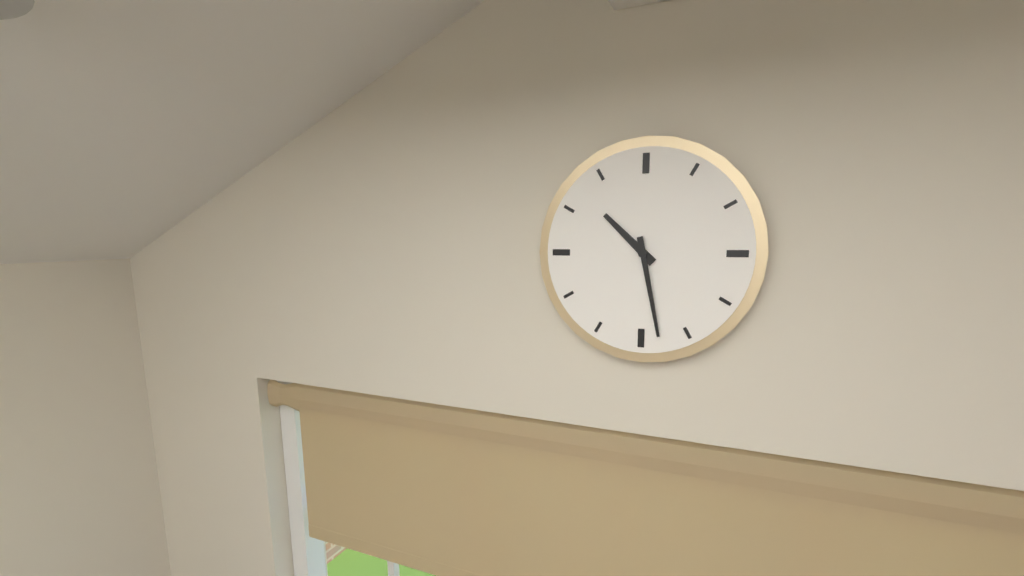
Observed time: 10:28
